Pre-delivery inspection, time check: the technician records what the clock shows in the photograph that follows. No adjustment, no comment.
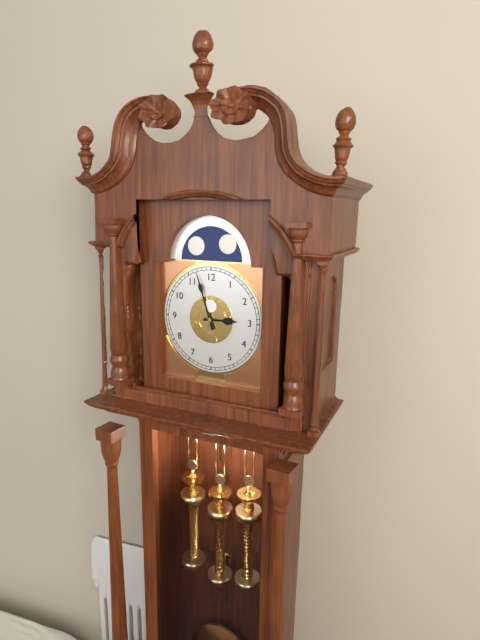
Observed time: 2:57
